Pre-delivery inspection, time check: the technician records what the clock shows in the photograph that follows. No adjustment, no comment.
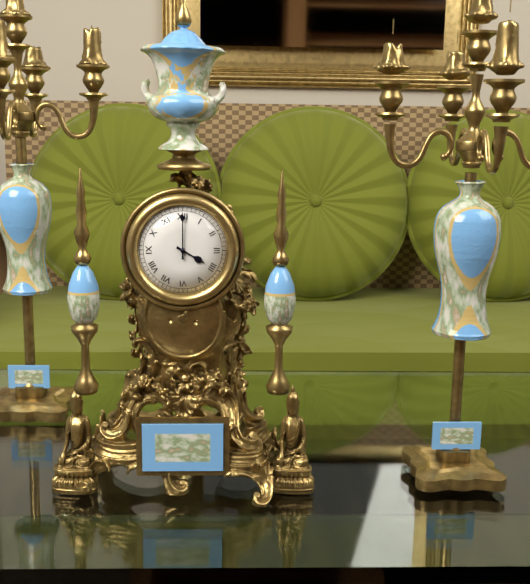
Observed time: 4:00
